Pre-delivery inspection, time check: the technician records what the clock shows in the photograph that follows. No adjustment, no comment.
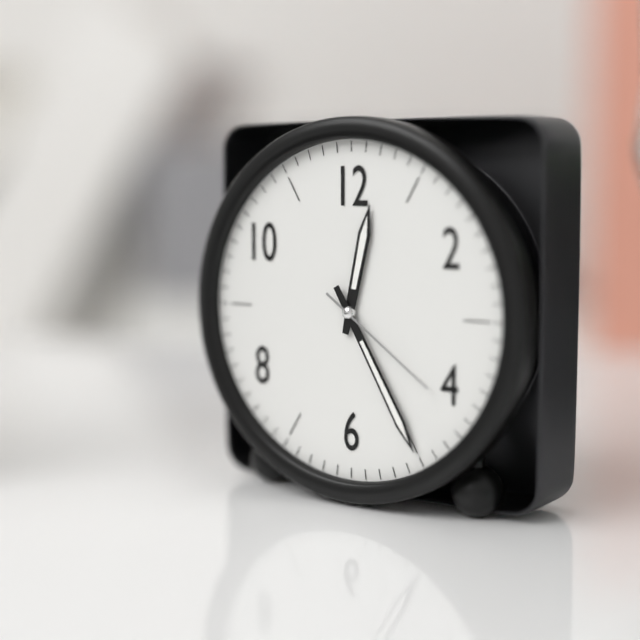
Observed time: 12:25:21
